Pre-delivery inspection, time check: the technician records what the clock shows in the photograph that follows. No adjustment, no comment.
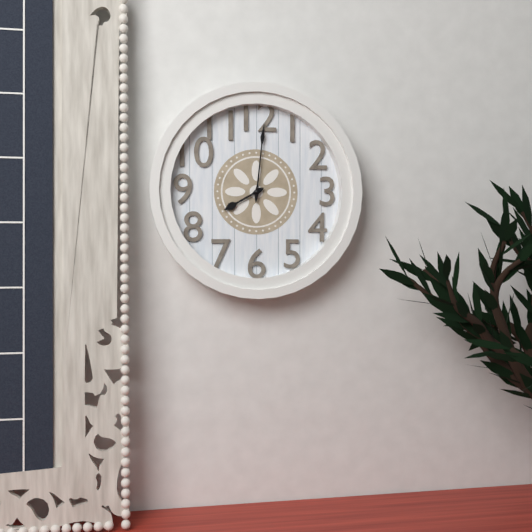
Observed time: 8:01
